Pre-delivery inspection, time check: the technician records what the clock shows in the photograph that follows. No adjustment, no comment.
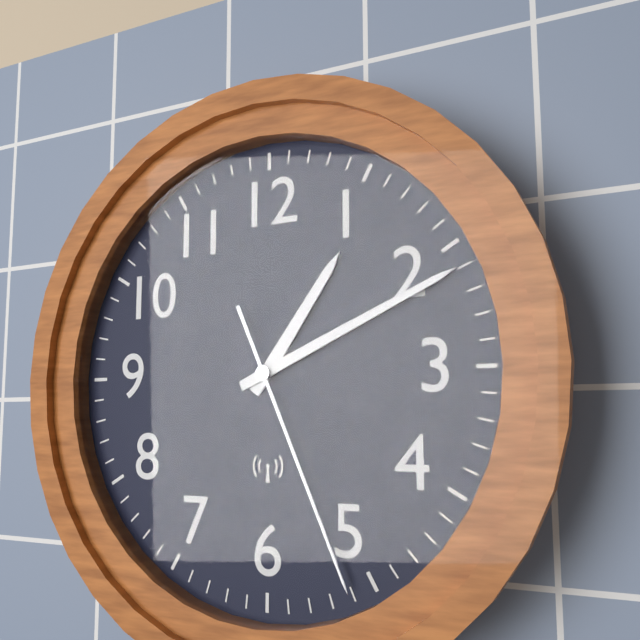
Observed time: 1:11:26
